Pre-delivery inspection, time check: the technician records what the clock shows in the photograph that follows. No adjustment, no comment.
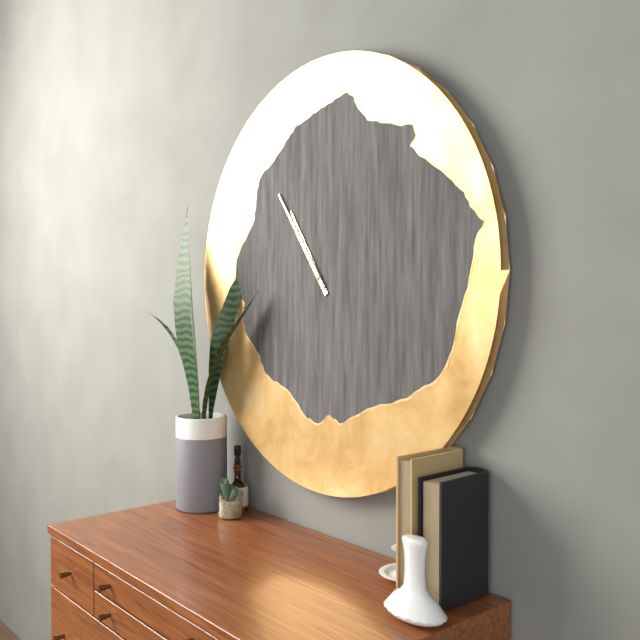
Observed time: 10:54
